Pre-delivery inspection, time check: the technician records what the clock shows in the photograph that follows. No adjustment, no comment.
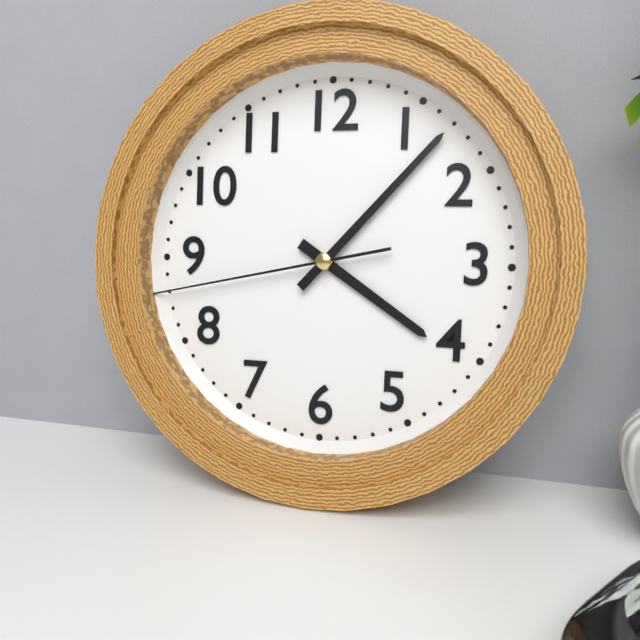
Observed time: 4:07:43
